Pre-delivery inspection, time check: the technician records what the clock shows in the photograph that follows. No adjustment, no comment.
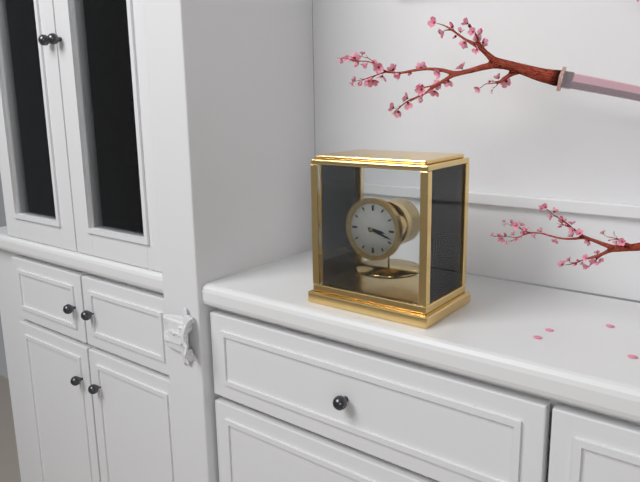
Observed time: 3:18
